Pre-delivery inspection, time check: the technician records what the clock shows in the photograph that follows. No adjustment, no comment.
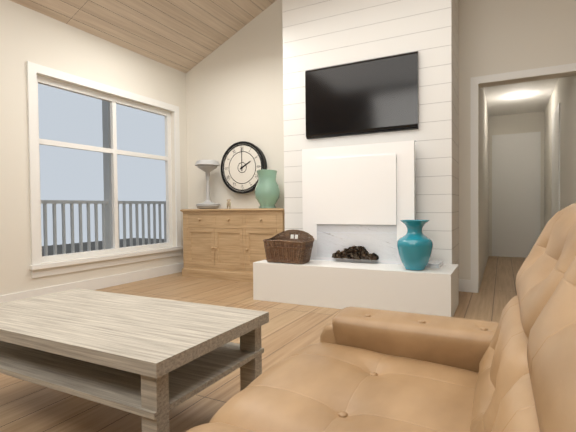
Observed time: 2:00
